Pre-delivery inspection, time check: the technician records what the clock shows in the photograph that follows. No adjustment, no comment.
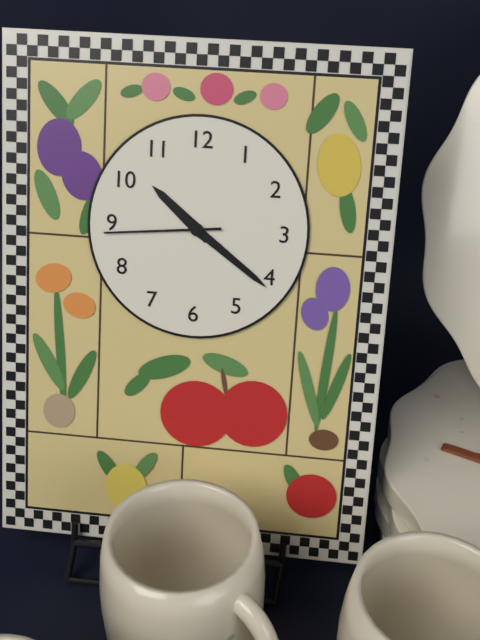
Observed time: 10:21:44
